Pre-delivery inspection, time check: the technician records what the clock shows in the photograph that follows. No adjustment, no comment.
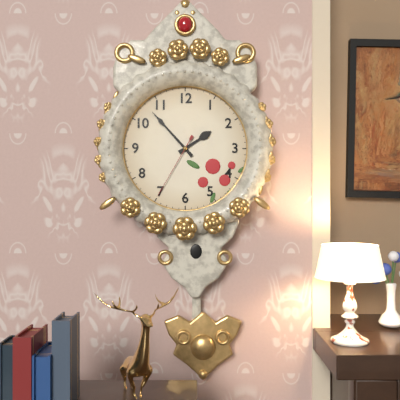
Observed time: 1:53:35
